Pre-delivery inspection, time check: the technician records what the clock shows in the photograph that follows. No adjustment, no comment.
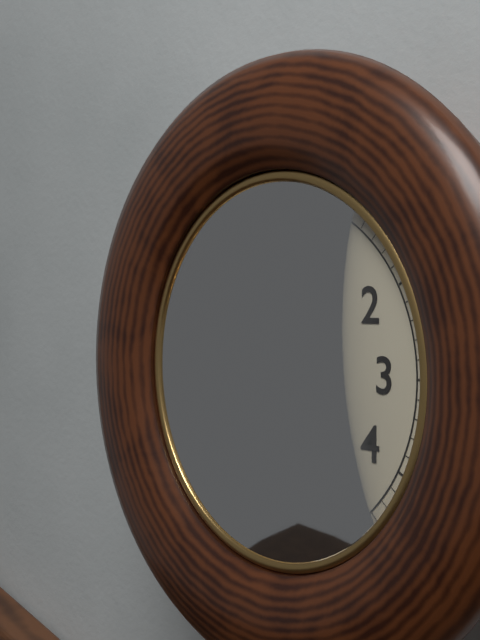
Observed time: 6:41
